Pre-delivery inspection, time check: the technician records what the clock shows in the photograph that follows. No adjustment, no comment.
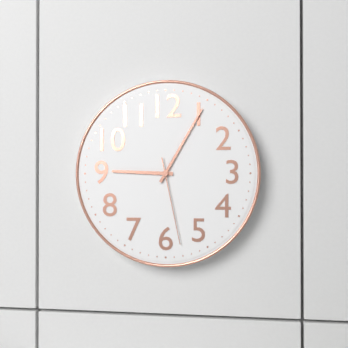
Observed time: 9:05:28
